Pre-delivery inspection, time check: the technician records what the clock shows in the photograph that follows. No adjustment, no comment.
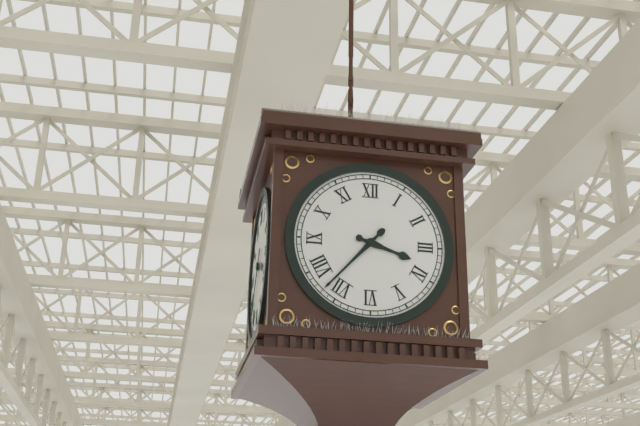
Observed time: 3:37
